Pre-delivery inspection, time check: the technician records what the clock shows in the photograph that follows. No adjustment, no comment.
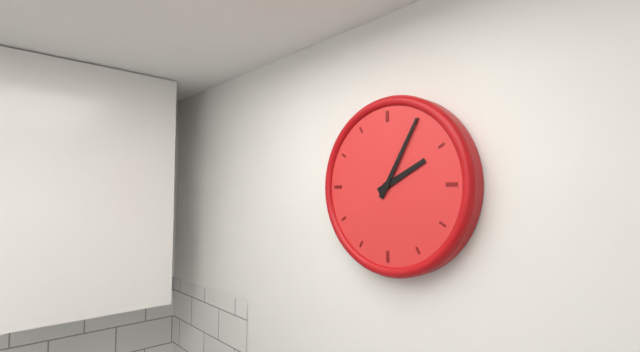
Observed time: 2:05
